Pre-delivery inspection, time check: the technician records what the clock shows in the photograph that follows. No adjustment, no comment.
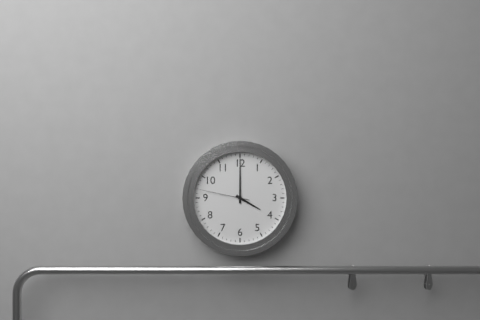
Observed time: 4:00:47
